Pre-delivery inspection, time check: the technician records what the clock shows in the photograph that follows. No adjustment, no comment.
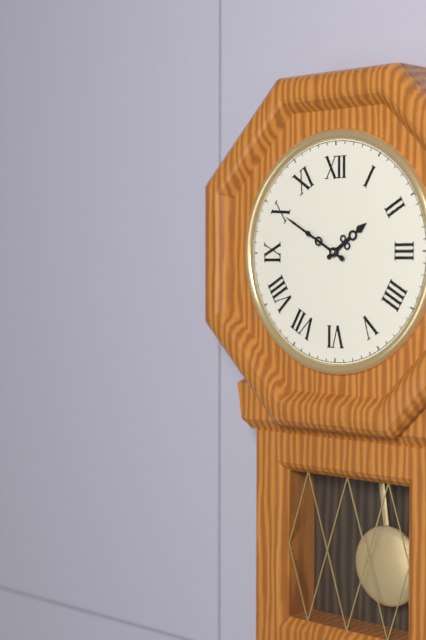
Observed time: 1:50
